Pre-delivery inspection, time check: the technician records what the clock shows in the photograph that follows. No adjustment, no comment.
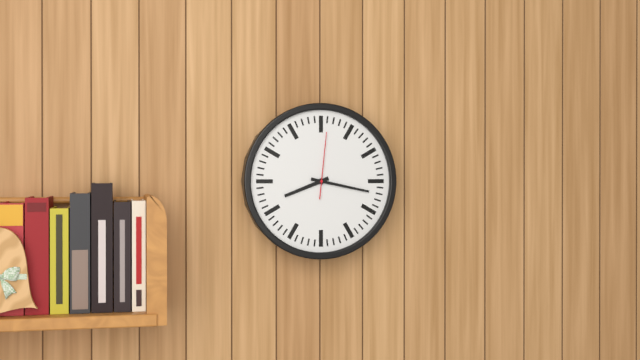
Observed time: 8:17:01
